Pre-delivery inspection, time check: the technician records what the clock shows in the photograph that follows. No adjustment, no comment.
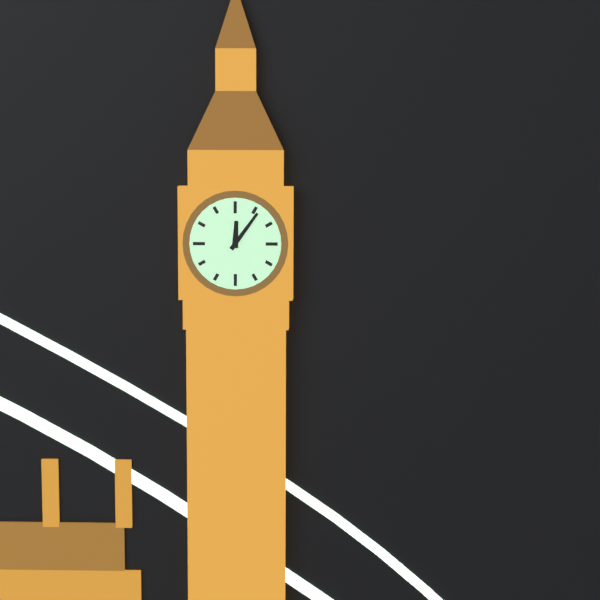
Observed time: 12:06
